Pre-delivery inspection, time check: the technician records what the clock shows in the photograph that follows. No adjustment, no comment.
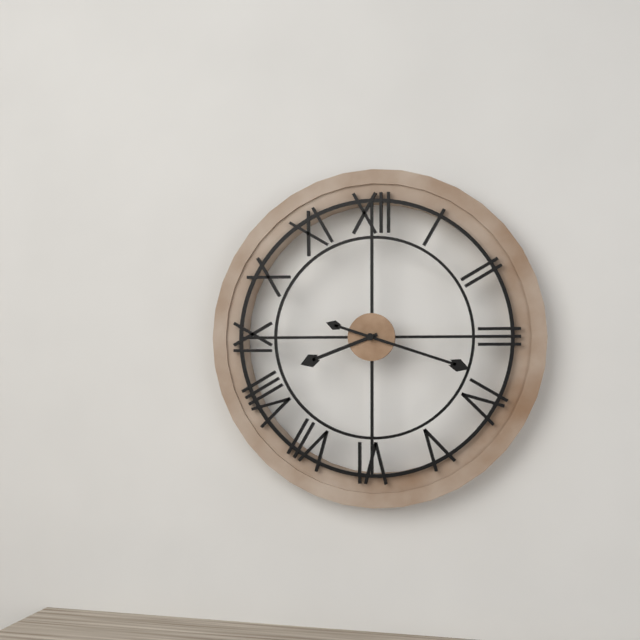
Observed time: 8:18
